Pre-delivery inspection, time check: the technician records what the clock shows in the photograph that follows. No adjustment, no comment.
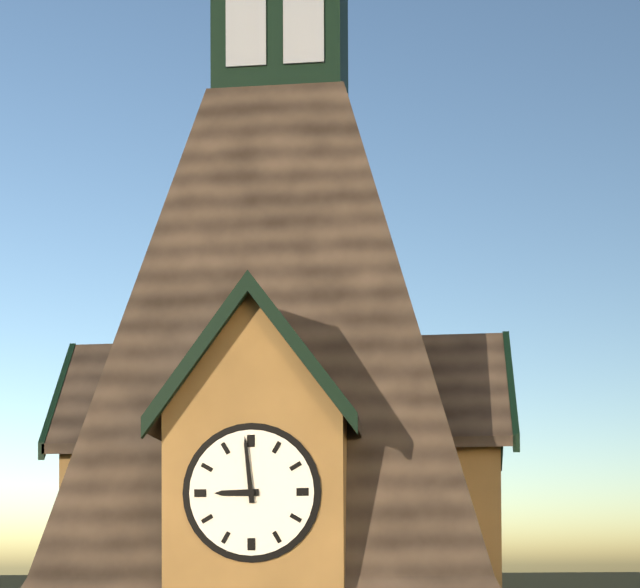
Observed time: 8:59
